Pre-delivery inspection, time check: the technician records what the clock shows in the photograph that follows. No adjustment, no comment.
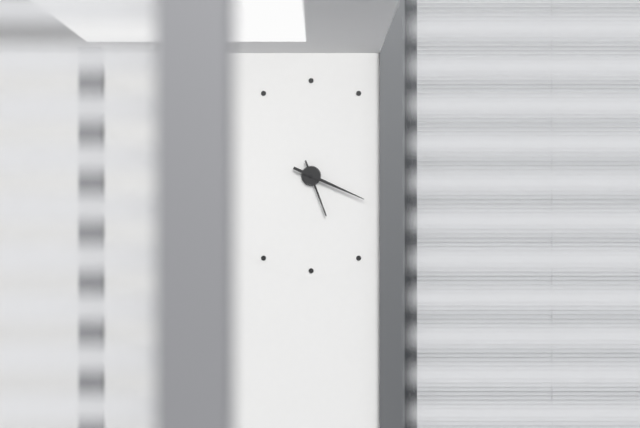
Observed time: 5:19
